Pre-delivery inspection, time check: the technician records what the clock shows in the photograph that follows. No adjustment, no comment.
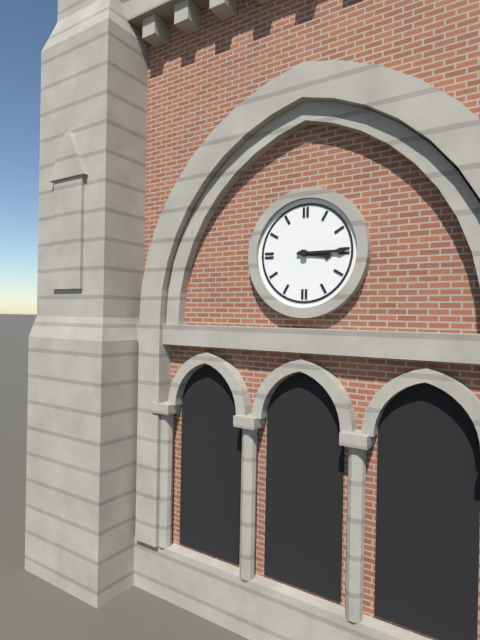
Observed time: 3:15
